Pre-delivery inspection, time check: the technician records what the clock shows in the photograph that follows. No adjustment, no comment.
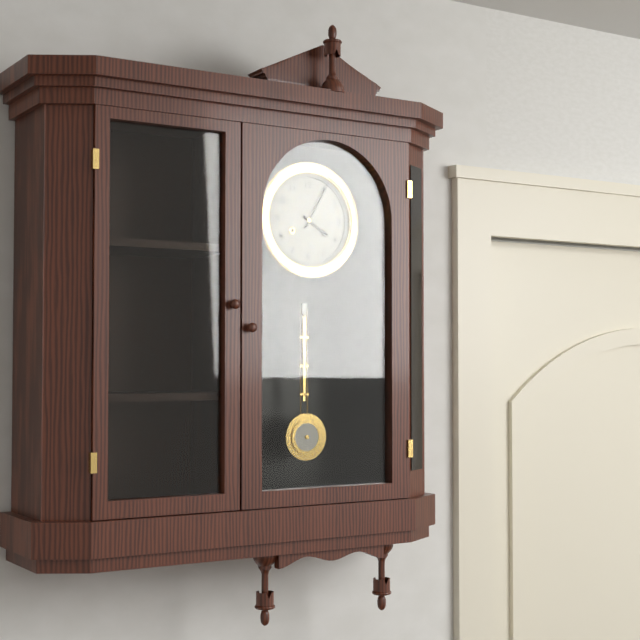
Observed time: 4:05
